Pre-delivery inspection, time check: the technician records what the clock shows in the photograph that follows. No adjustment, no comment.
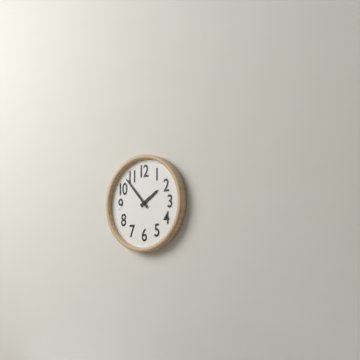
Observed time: 1:53
